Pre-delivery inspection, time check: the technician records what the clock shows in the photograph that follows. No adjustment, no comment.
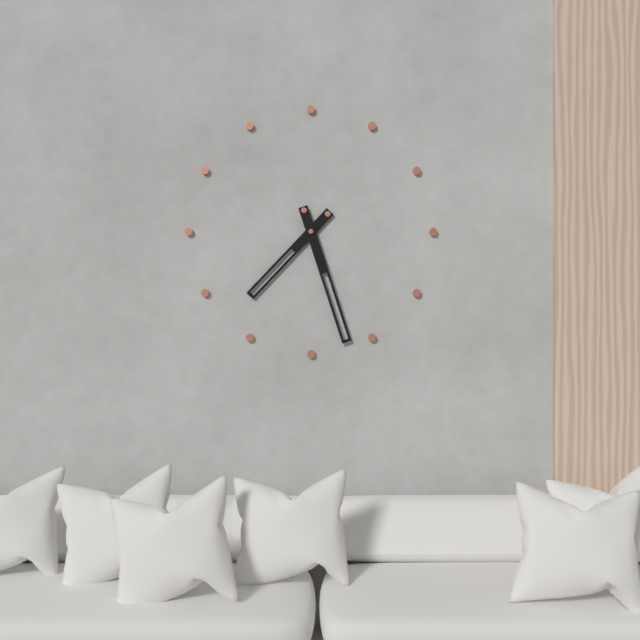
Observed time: 7:27
